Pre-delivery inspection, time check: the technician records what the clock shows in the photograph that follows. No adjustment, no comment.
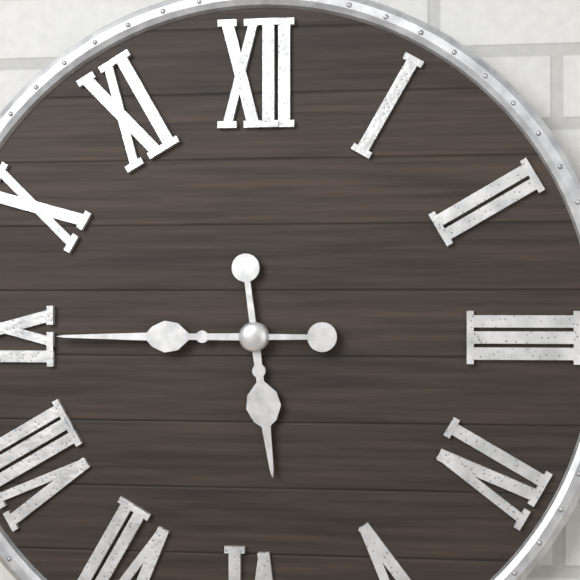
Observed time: 5:45
